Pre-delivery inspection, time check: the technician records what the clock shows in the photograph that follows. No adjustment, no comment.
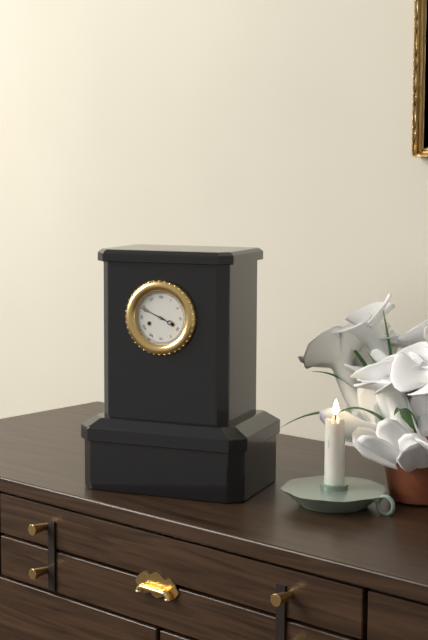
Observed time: 3:49
